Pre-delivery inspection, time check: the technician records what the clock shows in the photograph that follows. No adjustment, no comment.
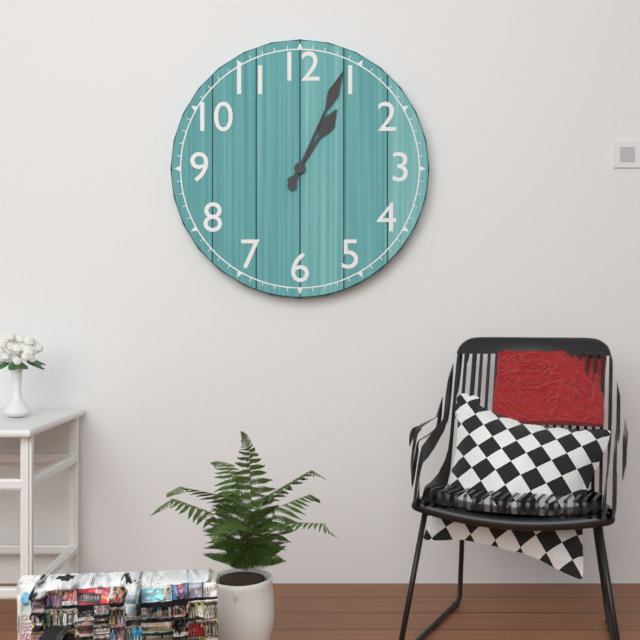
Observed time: 1:04
